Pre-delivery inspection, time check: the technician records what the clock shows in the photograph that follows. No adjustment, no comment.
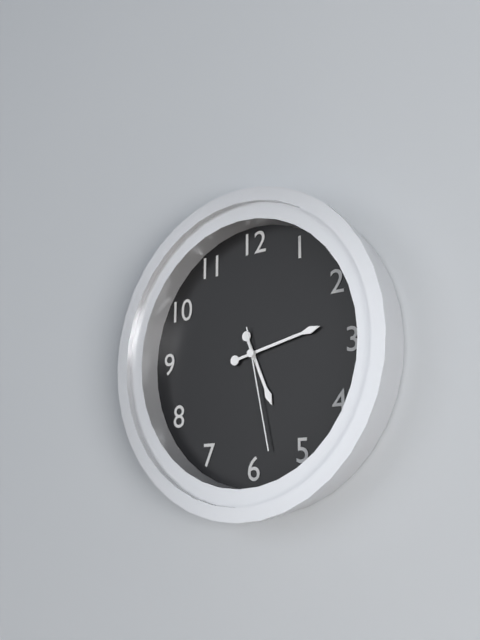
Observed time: 5:13:28
